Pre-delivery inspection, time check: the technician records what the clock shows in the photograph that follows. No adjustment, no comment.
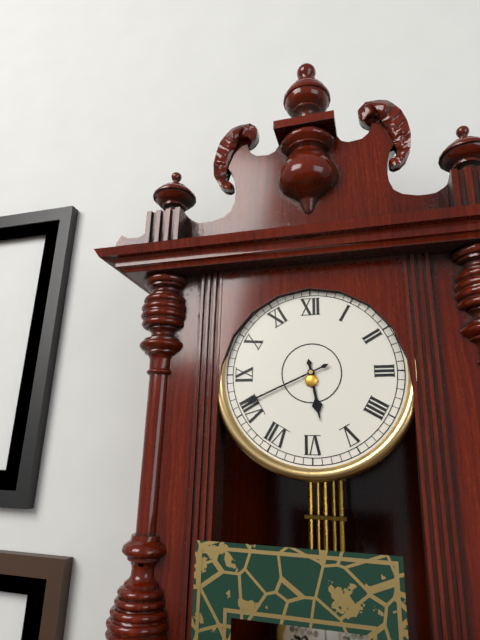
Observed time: 5:41
